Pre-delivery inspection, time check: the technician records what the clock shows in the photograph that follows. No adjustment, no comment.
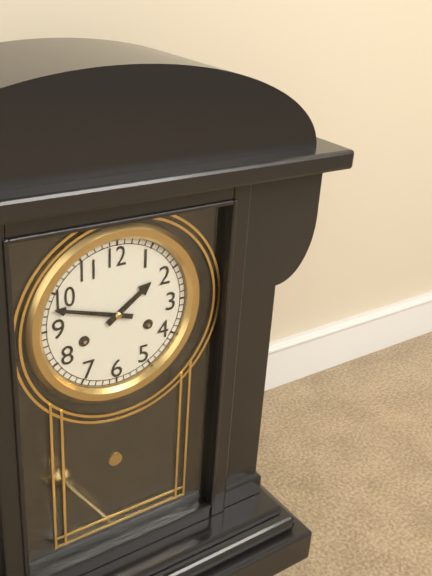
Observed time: 1:48
